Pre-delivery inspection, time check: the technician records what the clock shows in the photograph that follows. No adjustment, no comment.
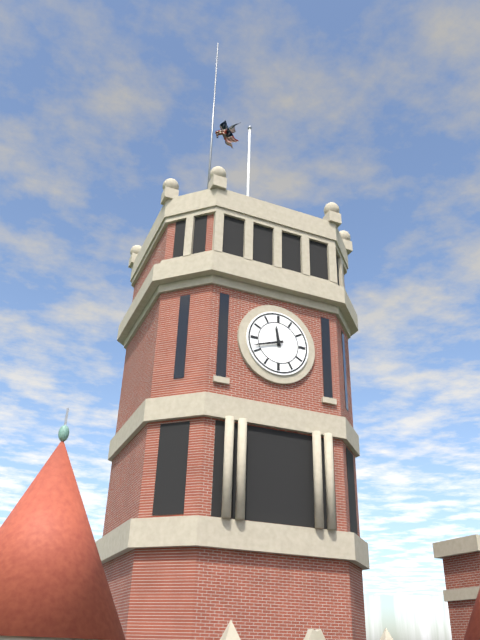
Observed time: 11:42
